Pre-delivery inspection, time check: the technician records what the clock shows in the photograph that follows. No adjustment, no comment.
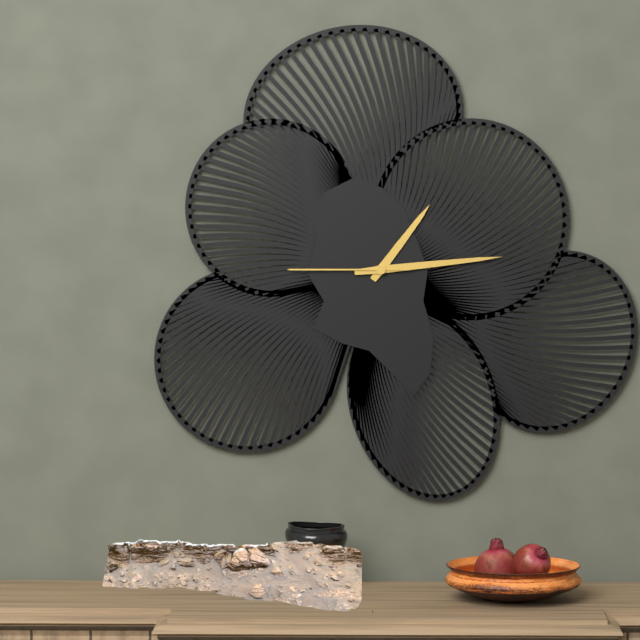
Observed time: 1:14:45
